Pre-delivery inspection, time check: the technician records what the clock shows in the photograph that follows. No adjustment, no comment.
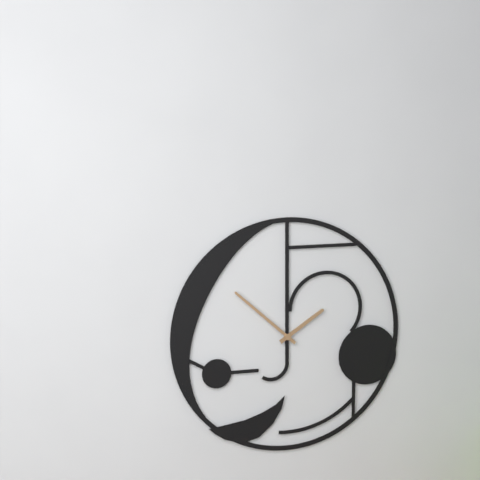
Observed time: 1:52
